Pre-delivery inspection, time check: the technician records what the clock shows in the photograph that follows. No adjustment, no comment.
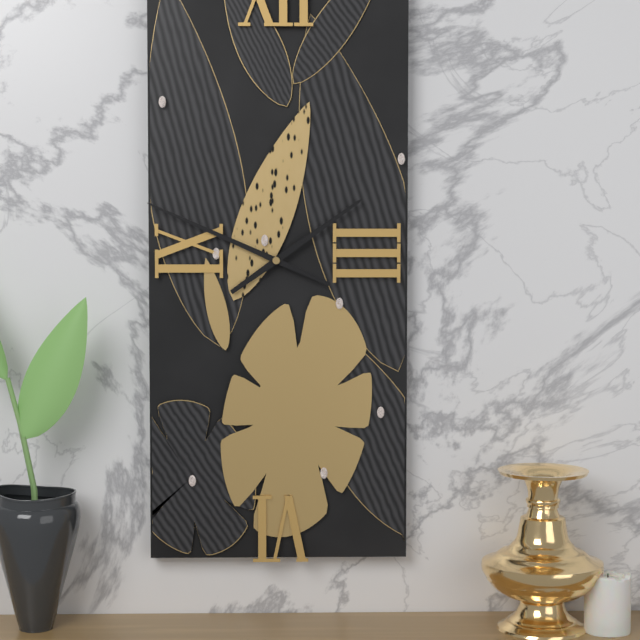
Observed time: 1:49
